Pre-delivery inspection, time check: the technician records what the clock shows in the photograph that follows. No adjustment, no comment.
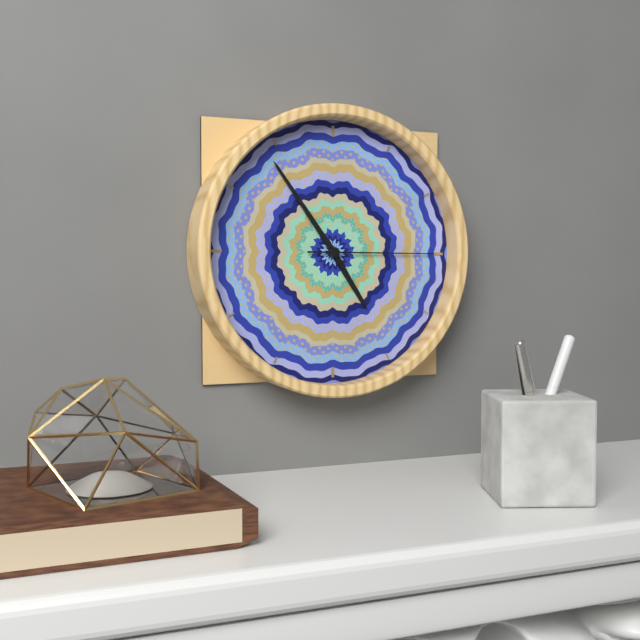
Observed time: 4:54:15
